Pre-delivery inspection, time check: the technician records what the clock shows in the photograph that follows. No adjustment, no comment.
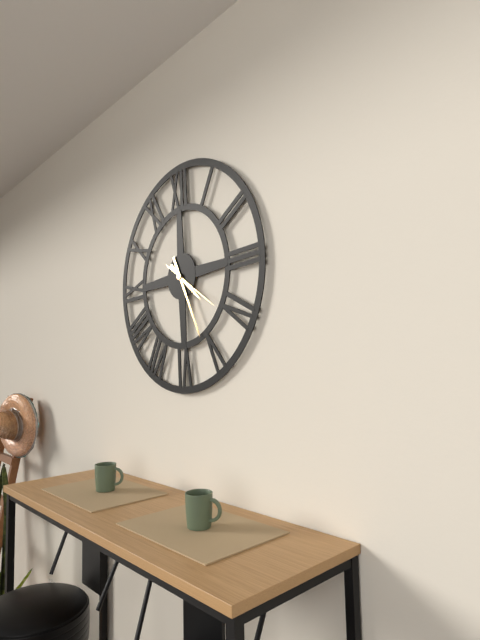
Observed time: 4:26:21
